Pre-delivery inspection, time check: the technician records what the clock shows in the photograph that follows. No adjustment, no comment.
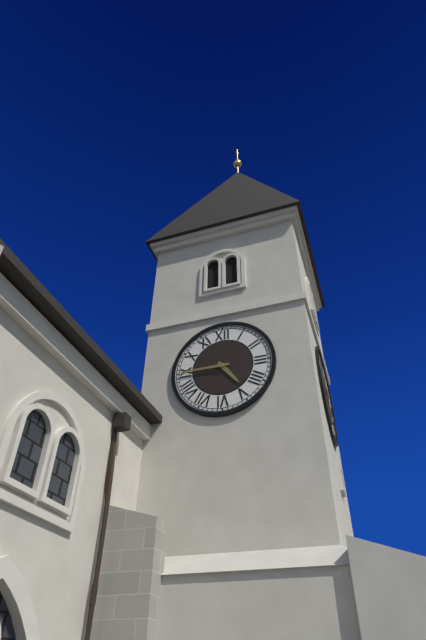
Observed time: 4:45
